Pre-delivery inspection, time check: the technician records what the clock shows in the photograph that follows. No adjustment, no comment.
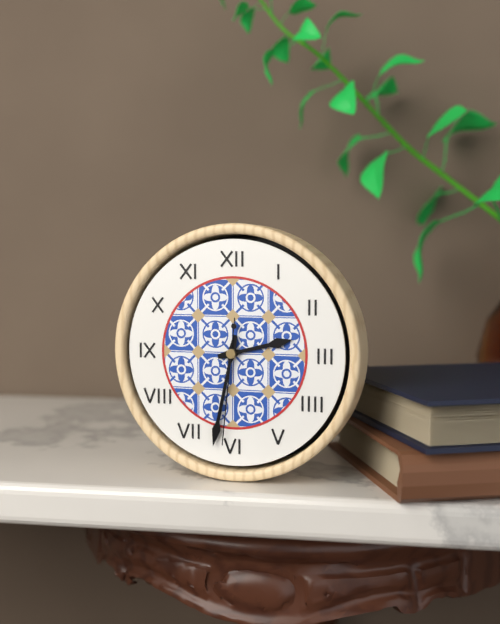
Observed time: 2:32:31
